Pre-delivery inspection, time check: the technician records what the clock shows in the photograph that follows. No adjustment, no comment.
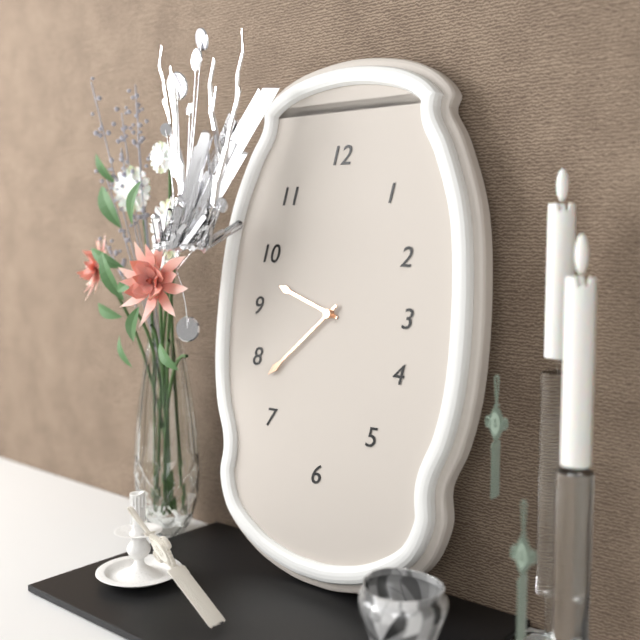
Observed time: 9:38
